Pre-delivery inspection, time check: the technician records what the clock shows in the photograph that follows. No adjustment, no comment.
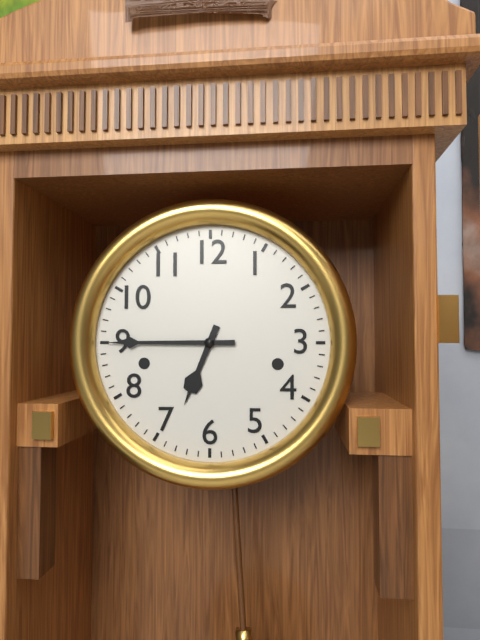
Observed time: 6:45
